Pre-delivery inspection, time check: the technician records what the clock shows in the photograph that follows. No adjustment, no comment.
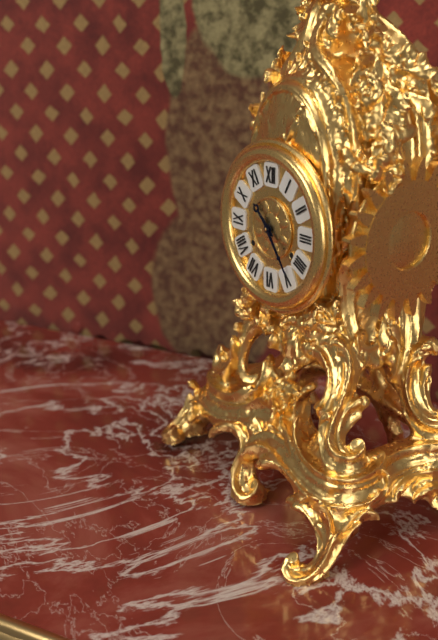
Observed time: 10:24
